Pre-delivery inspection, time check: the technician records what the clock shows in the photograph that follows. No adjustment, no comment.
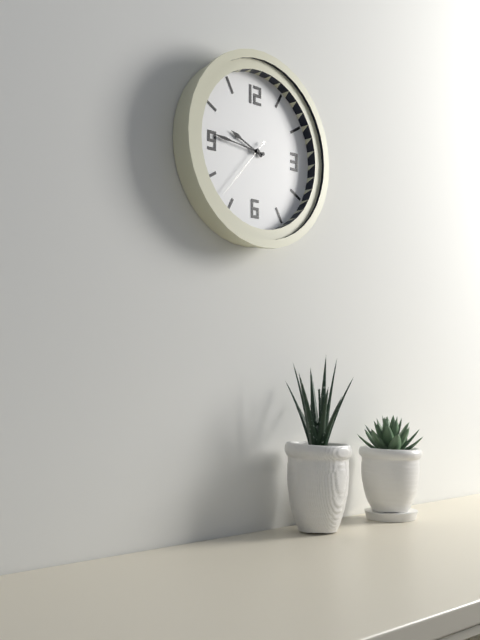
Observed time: 9:46:37
